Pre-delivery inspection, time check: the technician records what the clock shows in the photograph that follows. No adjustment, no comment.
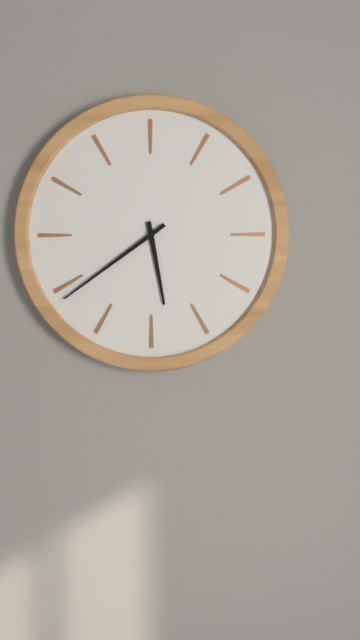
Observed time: 5:39
